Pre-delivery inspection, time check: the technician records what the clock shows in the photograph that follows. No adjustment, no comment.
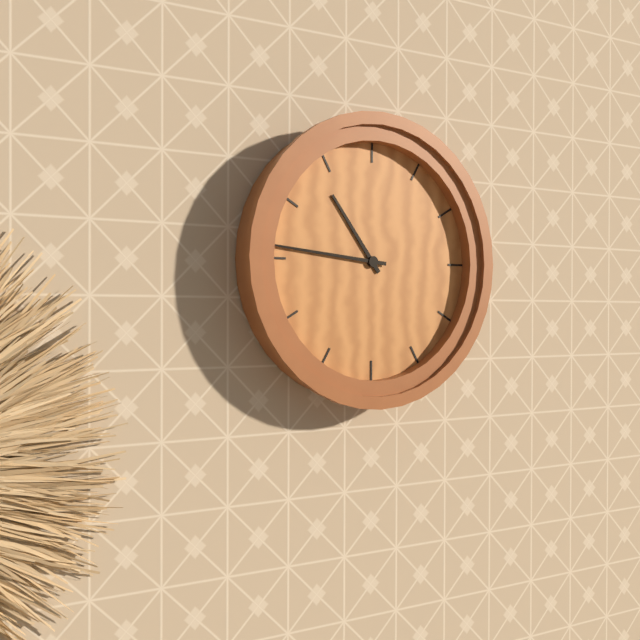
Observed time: 10:46
